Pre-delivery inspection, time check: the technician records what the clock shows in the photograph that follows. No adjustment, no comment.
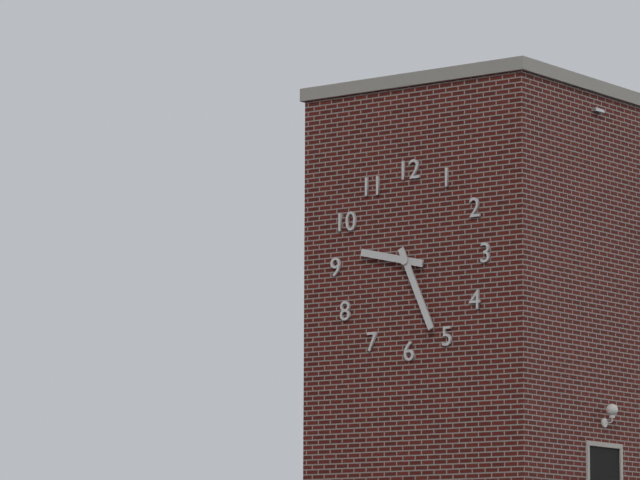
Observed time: 9:26
